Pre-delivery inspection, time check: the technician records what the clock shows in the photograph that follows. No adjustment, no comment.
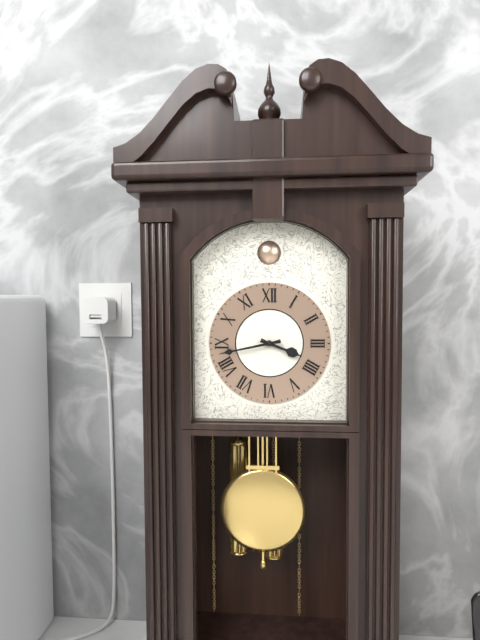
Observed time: 3:43
